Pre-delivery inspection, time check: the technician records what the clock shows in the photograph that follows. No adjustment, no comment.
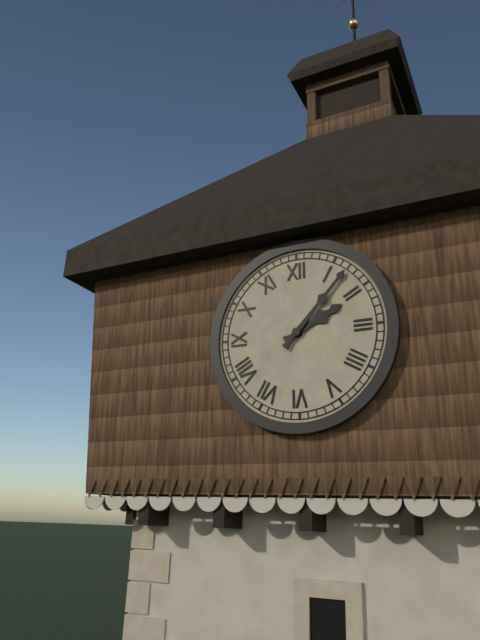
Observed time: 2:07
